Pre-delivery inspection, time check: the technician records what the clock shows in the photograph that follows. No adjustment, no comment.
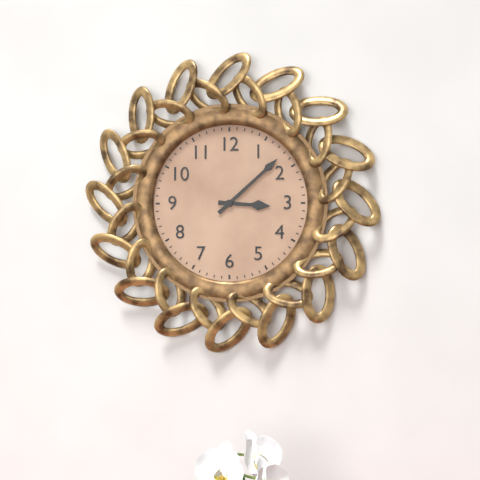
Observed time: 3:08
